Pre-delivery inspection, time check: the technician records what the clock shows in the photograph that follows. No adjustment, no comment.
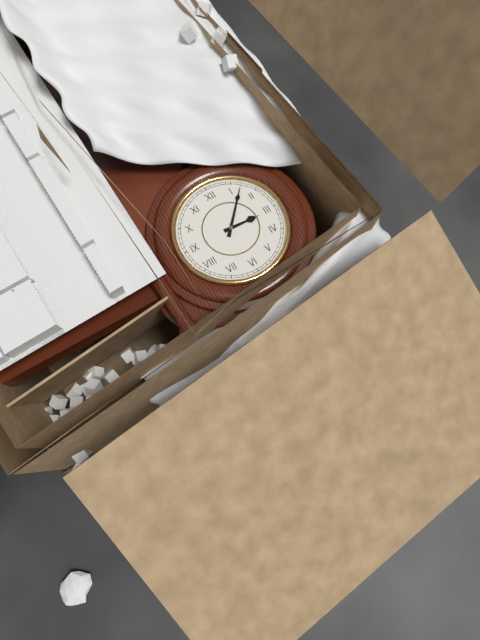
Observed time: 3:07
